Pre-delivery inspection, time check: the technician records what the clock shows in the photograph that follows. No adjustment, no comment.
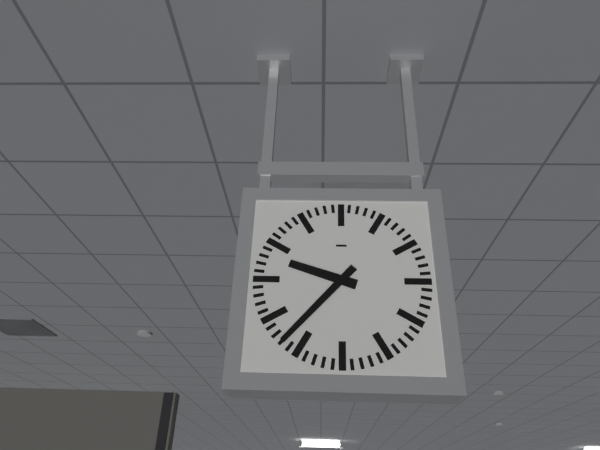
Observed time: 9:37
